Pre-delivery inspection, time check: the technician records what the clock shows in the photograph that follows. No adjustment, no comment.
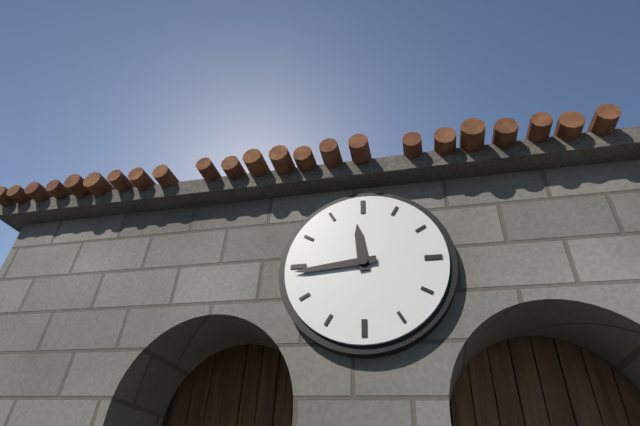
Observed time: 11:44
